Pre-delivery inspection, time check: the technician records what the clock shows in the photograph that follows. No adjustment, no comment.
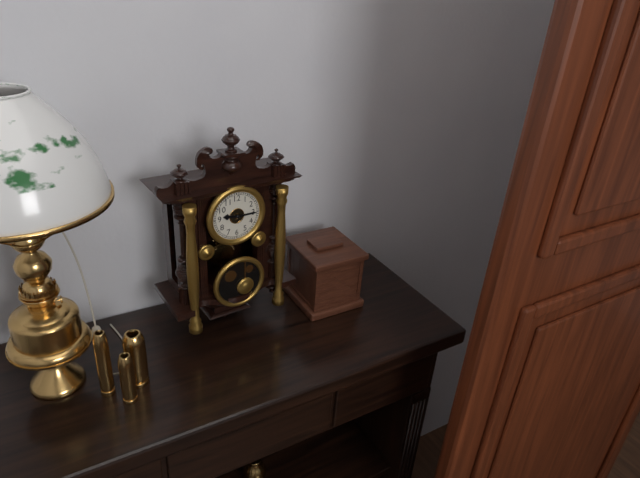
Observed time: 9:15
